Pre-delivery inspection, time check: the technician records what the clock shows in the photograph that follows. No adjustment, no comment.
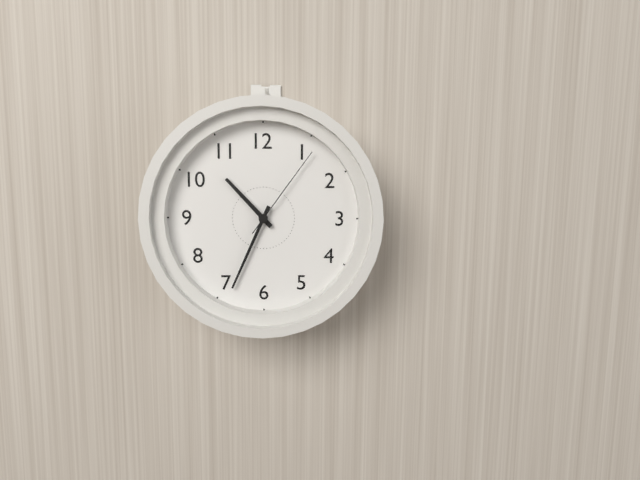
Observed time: 10:34:06
